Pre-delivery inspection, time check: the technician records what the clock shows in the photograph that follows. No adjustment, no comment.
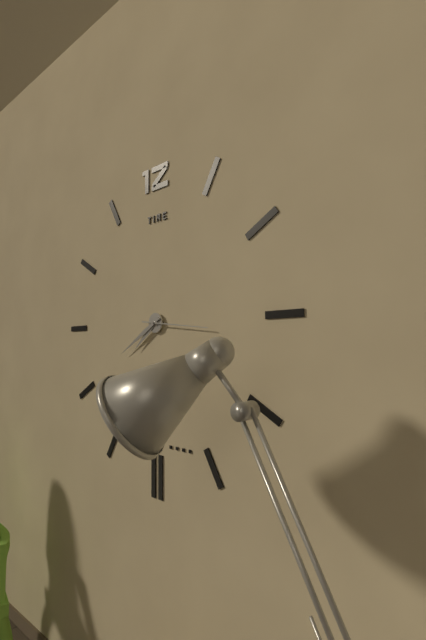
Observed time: 7:40:16
